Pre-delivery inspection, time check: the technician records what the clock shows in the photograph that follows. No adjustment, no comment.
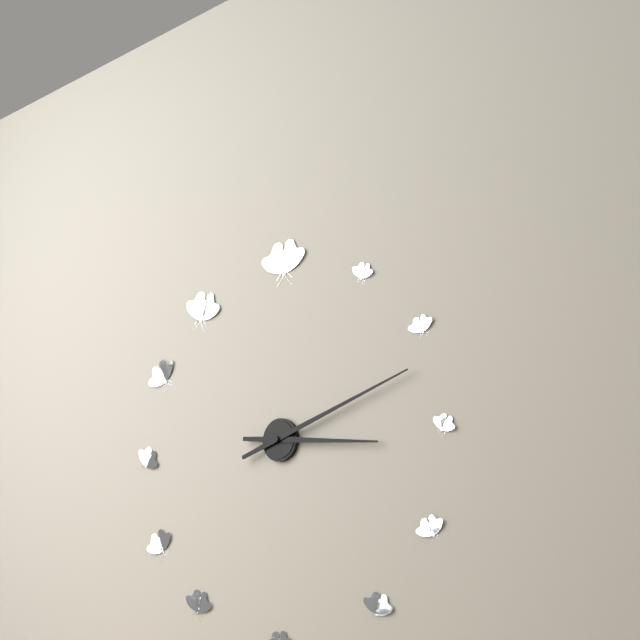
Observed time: 3:12
